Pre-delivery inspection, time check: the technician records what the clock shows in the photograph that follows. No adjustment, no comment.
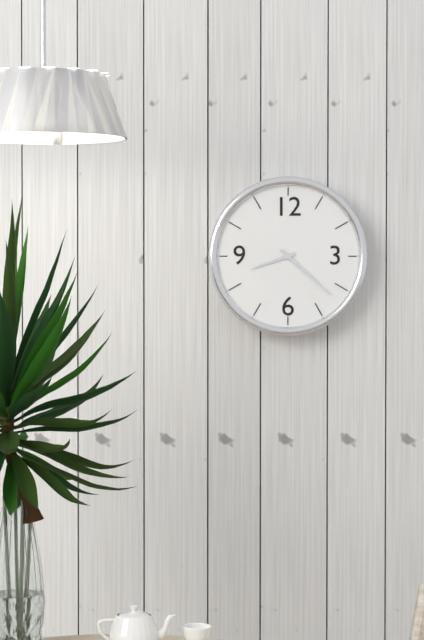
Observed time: 8:22
